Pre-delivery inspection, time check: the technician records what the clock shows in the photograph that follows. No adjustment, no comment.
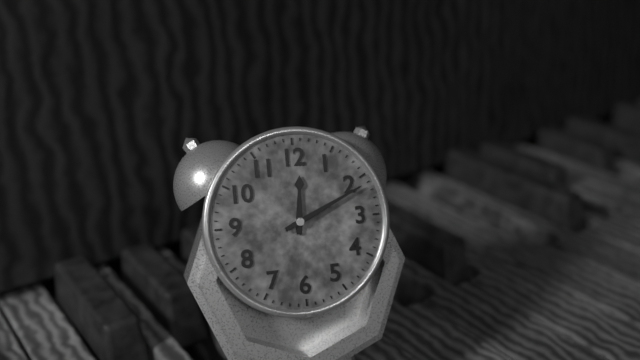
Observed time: 12:11
